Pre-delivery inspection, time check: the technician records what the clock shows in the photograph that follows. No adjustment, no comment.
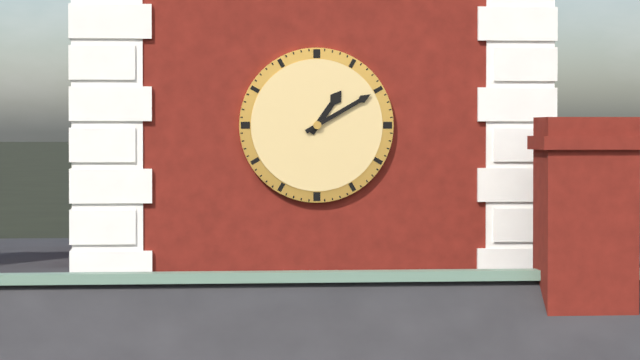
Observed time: 1:10
